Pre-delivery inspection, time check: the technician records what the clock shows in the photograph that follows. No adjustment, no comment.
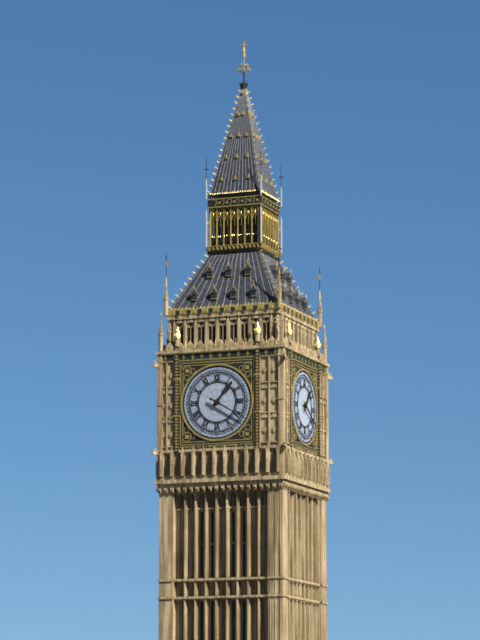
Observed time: 1:20
